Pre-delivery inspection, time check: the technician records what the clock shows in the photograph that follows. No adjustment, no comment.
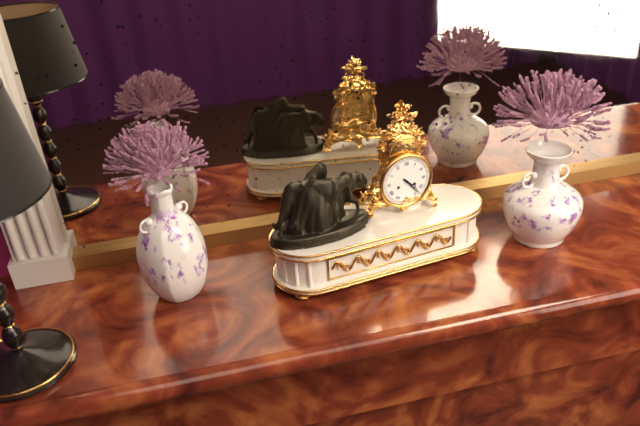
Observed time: 4:23
